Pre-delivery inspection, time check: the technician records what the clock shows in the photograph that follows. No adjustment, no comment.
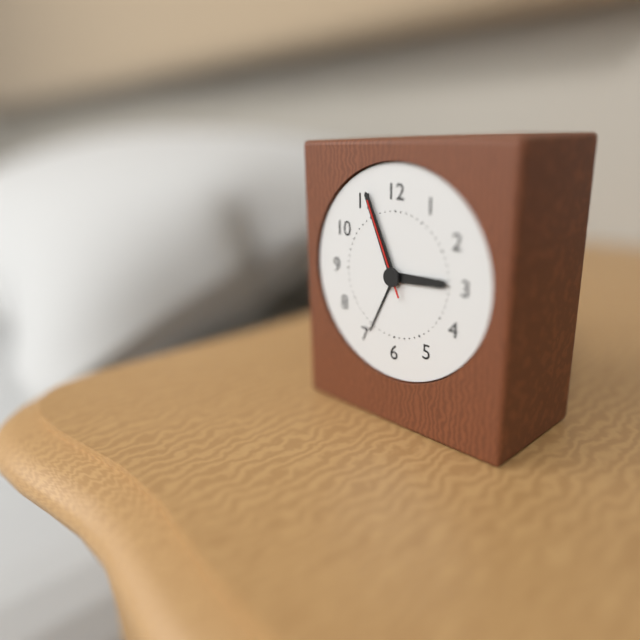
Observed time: 2:56:56
